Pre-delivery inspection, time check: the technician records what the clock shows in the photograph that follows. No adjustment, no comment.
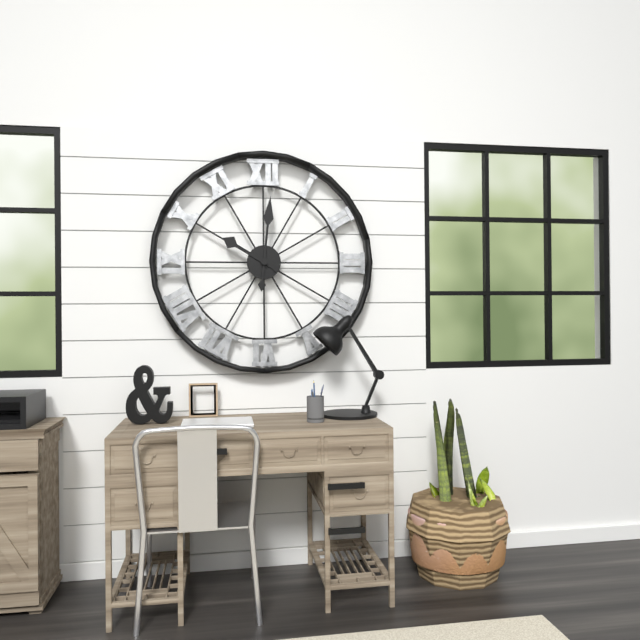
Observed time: 10:01
